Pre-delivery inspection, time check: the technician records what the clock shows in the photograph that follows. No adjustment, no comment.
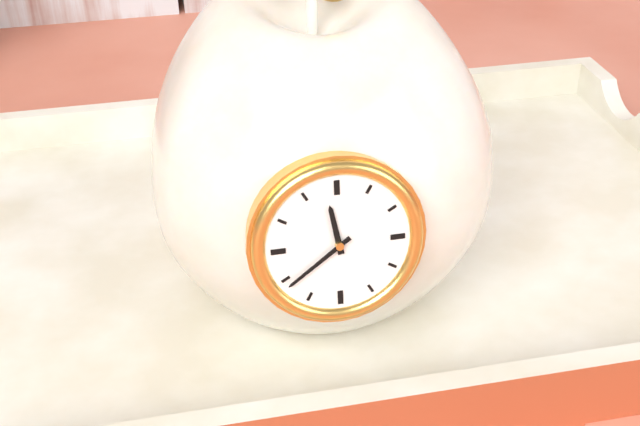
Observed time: 11:39
